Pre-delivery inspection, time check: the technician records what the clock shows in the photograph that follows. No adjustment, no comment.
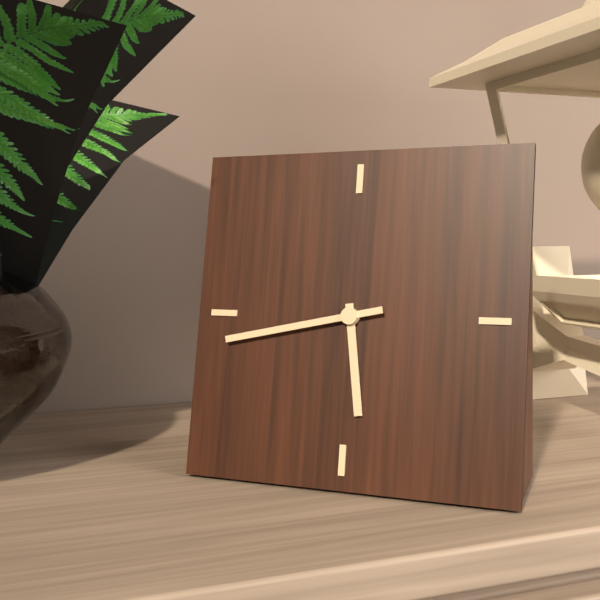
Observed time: 5:43
